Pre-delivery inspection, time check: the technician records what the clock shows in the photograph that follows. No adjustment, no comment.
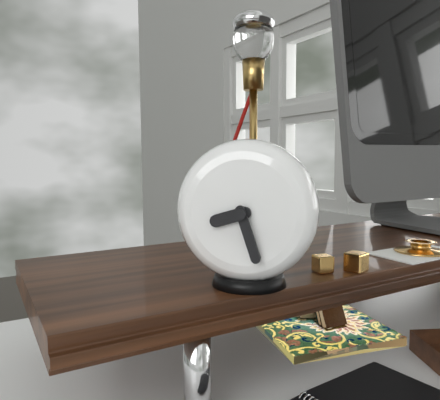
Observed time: 8:27
